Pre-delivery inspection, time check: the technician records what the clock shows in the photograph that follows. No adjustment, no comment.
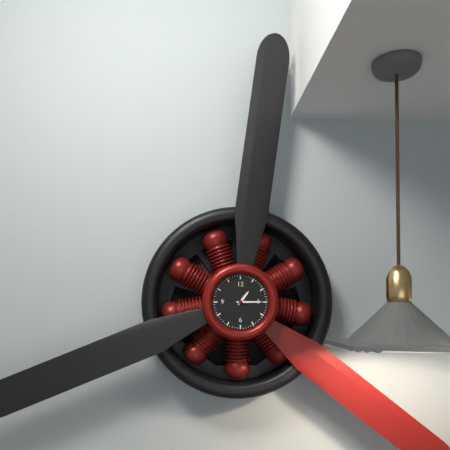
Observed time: 1:15
